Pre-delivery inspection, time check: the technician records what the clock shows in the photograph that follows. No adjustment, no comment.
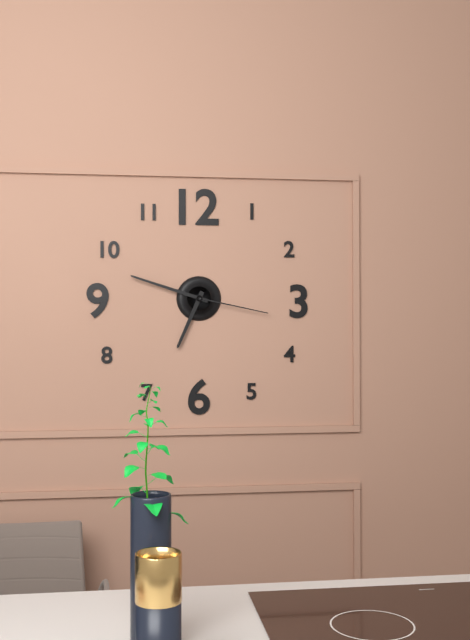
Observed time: 6:48:17
